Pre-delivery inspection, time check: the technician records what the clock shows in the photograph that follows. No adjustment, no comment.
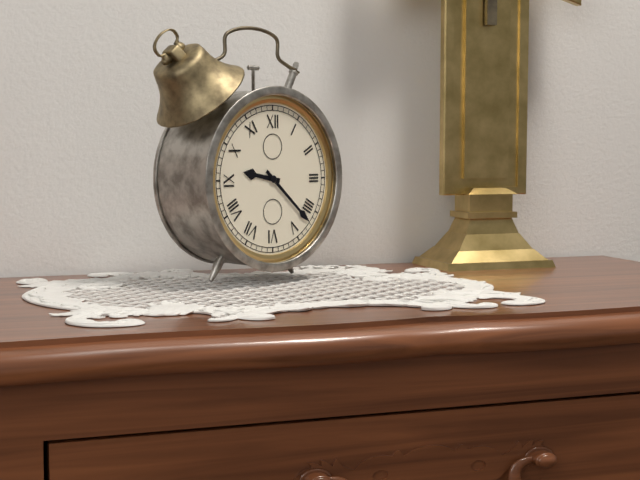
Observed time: 9:22
